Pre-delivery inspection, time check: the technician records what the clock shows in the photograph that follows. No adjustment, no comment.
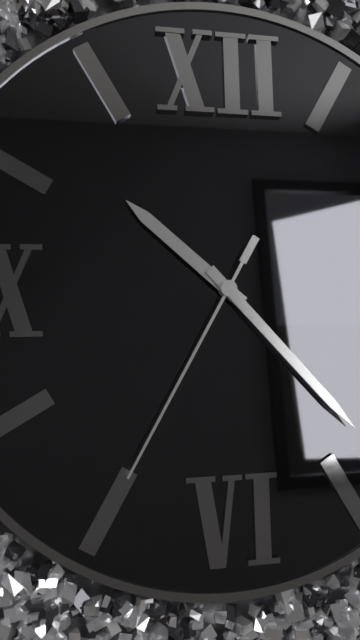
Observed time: 10:23:35
